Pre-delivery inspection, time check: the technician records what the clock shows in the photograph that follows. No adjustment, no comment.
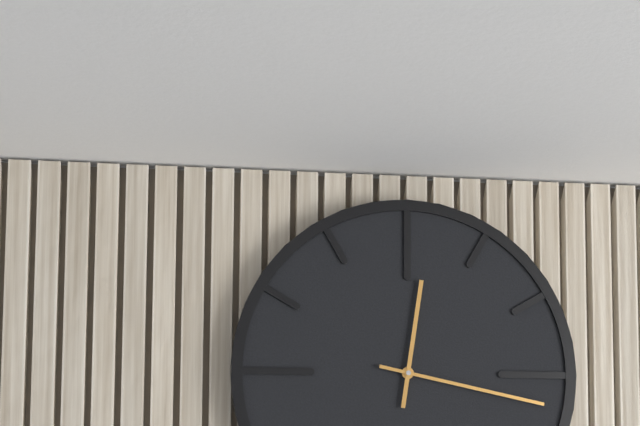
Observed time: 12:17
